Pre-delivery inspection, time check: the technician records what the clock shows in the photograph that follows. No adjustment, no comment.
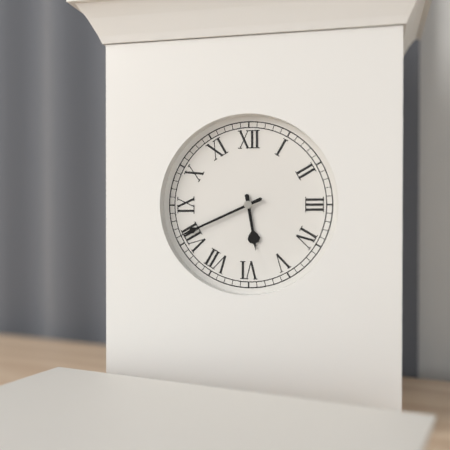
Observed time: 5:41
